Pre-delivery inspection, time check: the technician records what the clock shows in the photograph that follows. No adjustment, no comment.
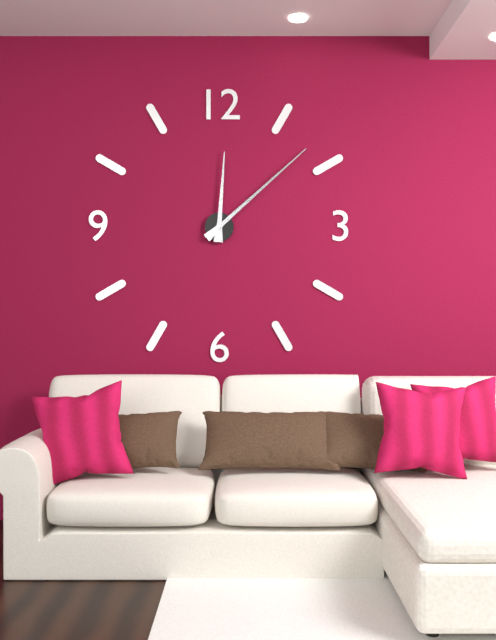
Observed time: 12:08
